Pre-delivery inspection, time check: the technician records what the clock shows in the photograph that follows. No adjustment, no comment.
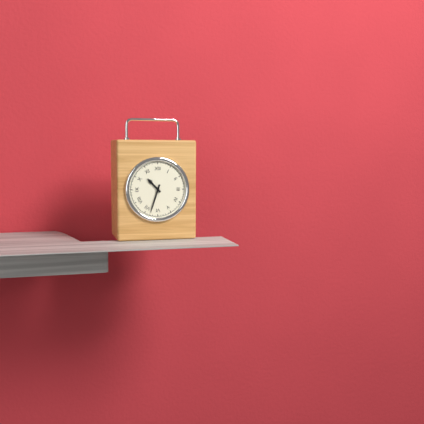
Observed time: 10:33
